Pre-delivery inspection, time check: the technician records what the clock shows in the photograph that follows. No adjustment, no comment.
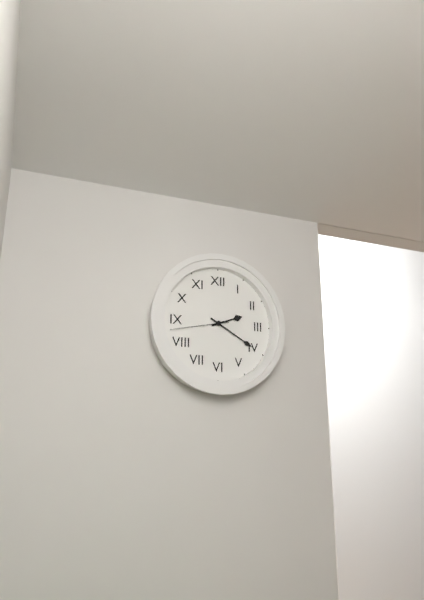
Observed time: 2:20:43
